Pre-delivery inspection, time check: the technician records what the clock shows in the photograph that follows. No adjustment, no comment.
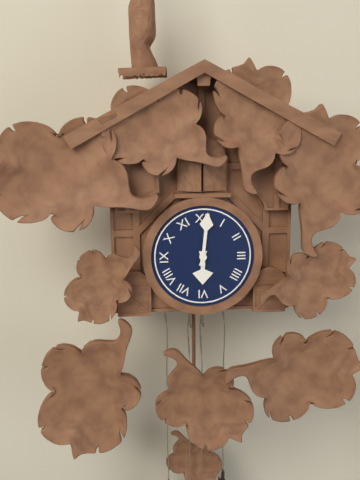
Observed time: 6:01
